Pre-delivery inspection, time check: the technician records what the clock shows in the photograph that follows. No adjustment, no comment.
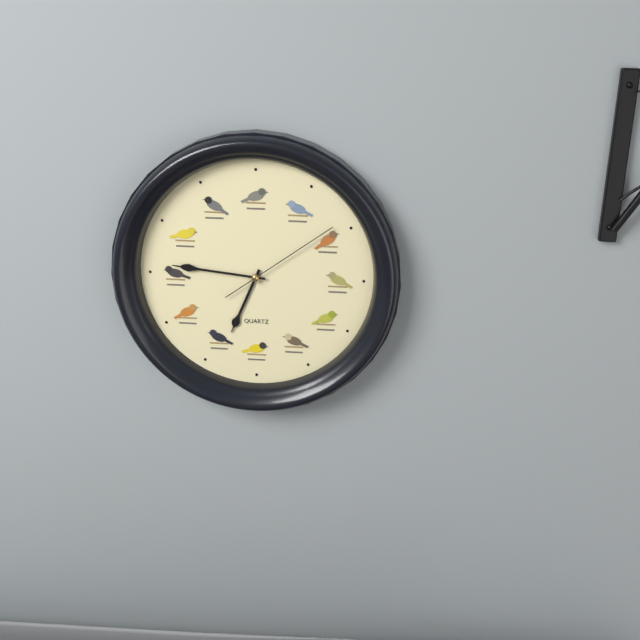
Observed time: 6:46:09
